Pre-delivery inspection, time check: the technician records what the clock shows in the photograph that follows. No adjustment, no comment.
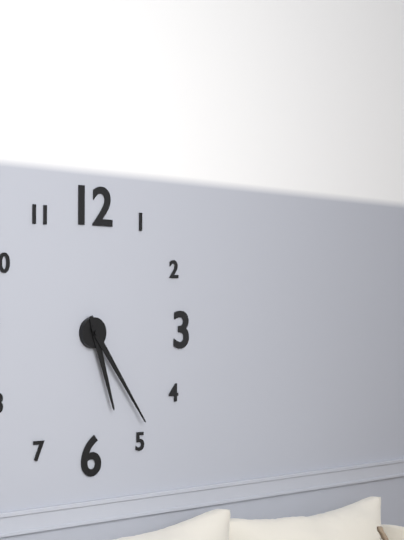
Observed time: 5:24
